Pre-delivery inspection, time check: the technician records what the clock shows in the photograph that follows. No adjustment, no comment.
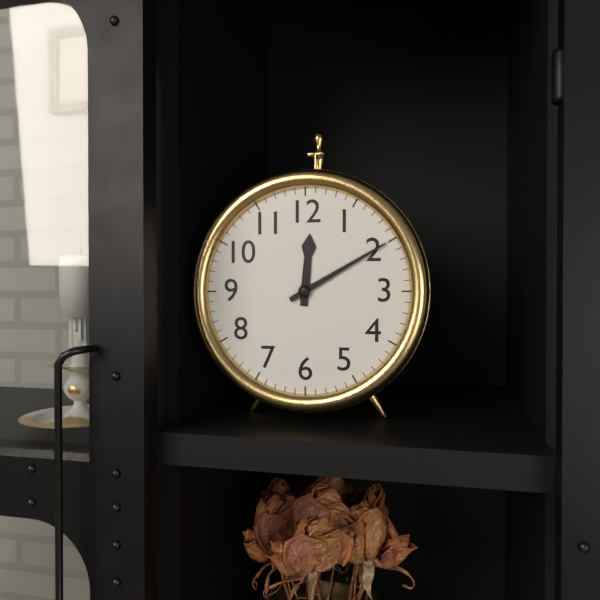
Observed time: 12:10
